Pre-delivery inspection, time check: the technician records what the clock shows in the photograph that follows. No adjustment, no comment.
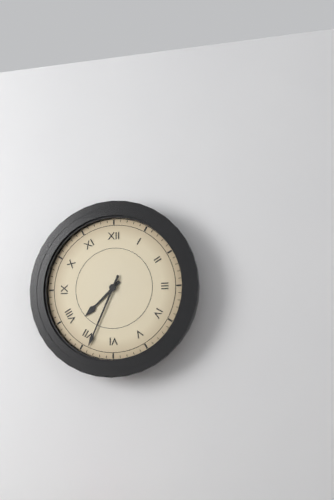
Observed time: 7:34
